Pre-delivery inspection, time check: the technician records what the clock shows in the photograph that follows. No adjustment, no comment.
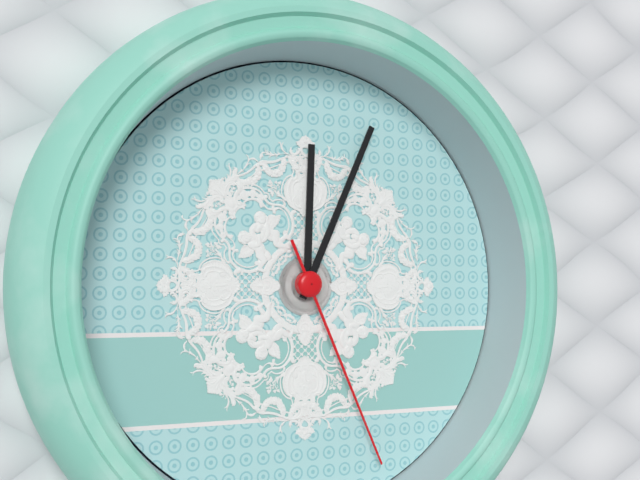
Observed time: 12:04:26
